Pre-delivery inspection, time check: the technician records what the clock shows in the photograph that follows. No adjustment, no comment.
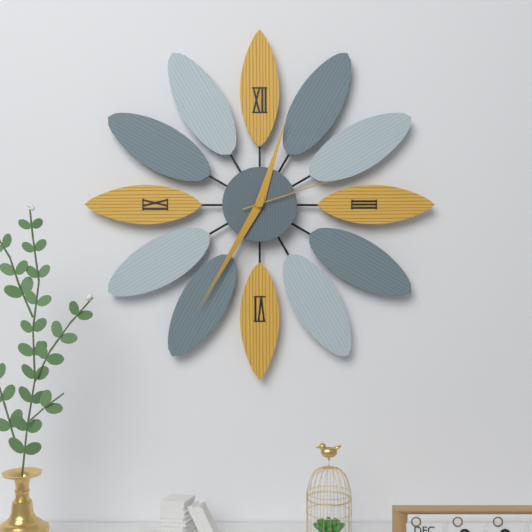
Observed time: 12:35:12
